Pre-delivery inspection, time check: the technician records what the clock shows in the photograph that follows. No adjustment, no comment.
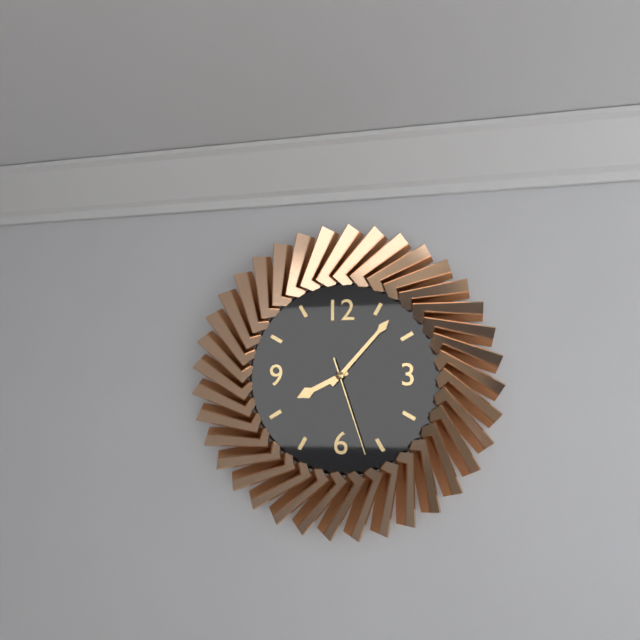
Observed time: 8:07:27
